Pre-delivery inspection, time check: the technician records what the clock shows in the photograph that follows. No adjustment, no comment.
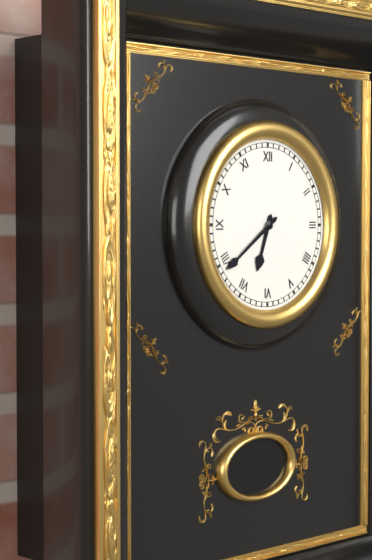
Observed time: 6:39
